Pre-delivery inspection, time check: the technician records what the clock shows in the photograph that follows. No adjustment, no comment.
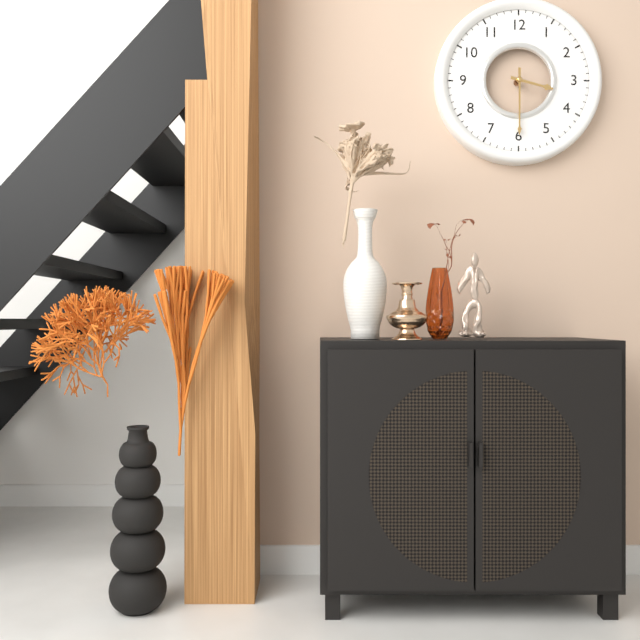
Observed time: 3:30
